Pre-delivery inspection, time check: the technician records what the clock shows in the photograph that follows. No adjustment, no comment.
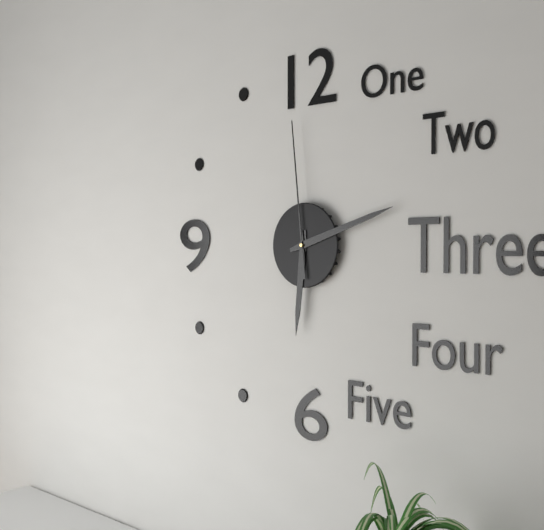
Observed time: 6:12:59
